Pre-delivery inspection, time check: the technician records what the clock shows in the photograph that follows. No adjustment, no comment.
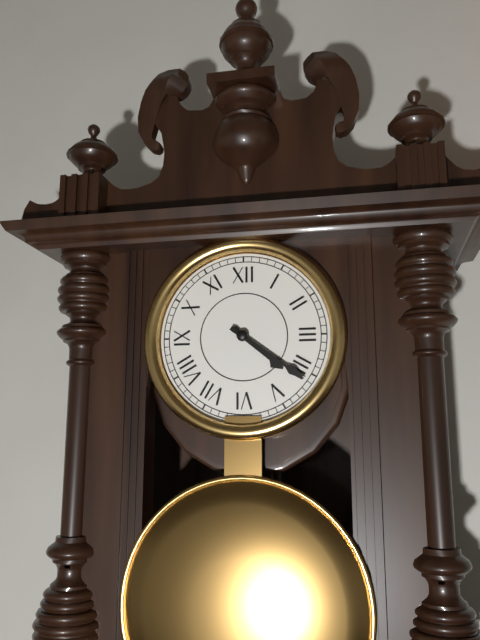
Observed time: 4:21
